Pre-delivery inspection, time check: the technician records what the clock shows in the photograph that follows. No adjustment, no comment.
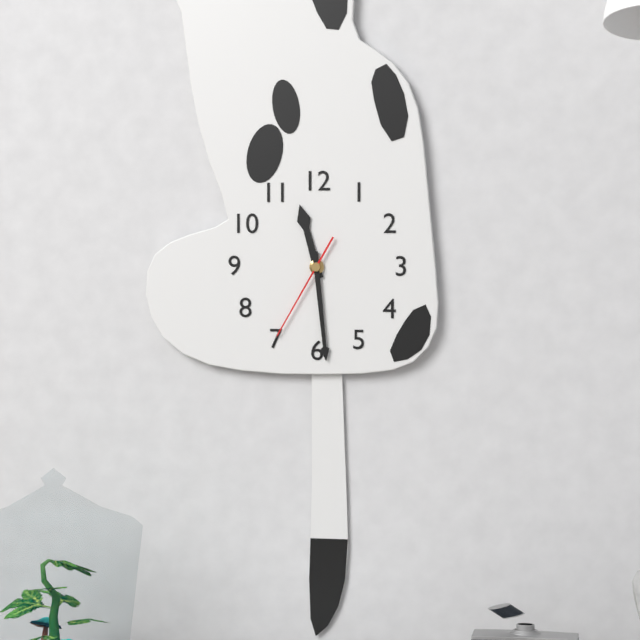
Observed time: 11:29:35
